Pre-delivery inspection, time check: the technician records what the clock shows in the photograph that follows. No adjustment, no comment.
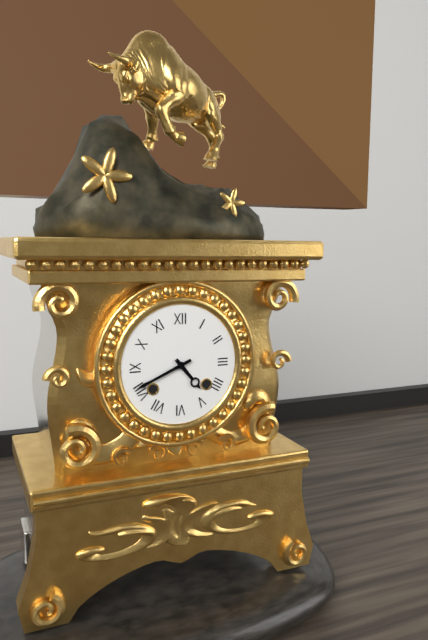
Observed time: 4:41
